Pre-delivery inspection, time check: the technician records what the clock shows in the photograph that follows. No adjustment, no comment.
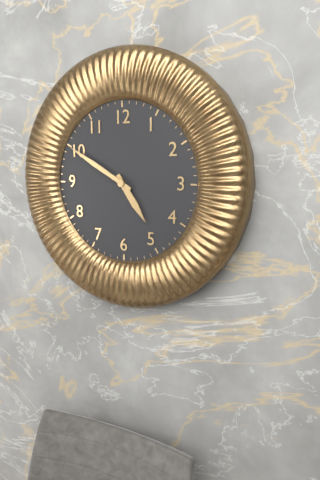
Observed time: 4:50
